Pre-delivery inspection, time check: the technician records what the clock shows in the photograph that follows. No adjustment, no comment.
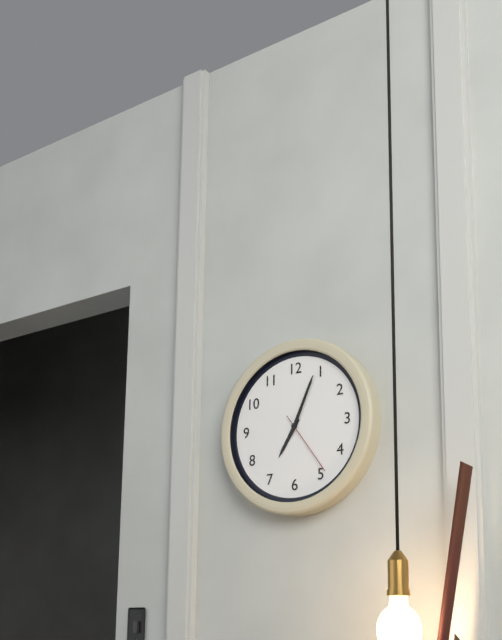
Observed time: 7:04:24
